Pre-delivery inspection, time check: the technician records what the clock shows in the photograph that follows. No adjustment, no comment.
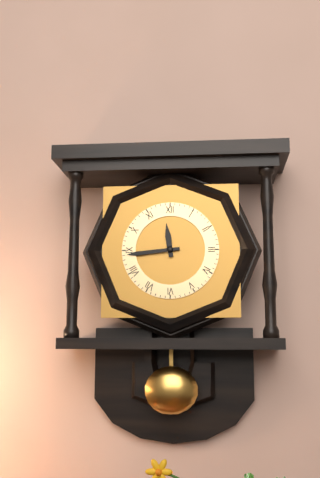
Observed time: 11:44
